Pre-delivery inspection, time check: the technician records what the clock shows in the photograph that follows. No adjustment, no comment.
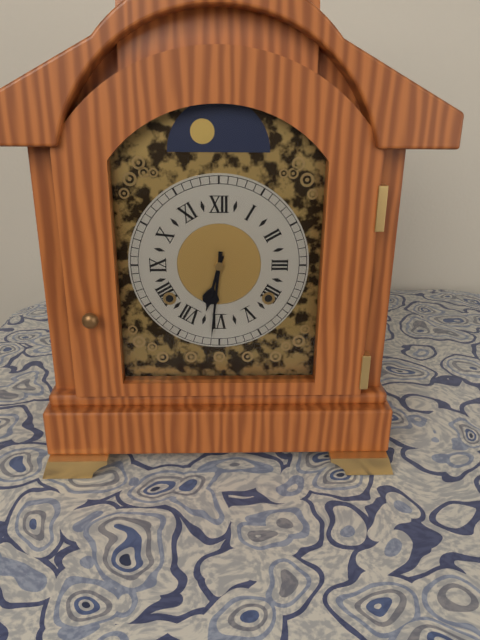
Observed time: 6:31
